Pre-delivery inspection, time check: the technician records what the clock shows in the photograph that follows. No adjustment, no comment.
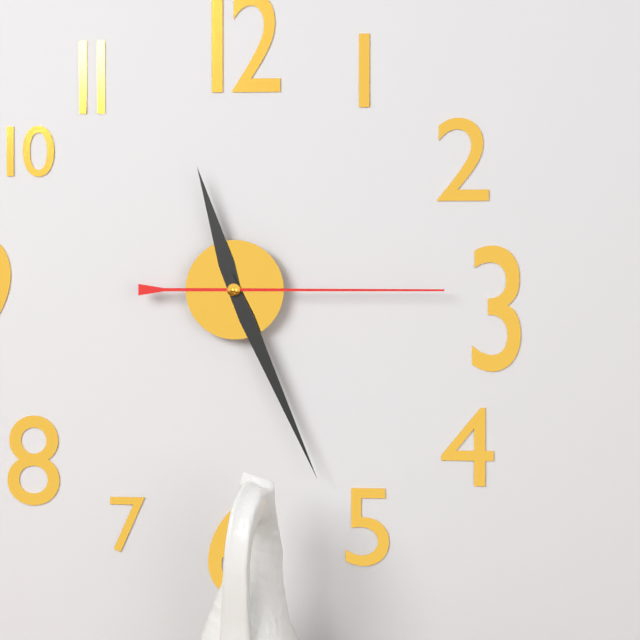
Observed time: 11:26:15
